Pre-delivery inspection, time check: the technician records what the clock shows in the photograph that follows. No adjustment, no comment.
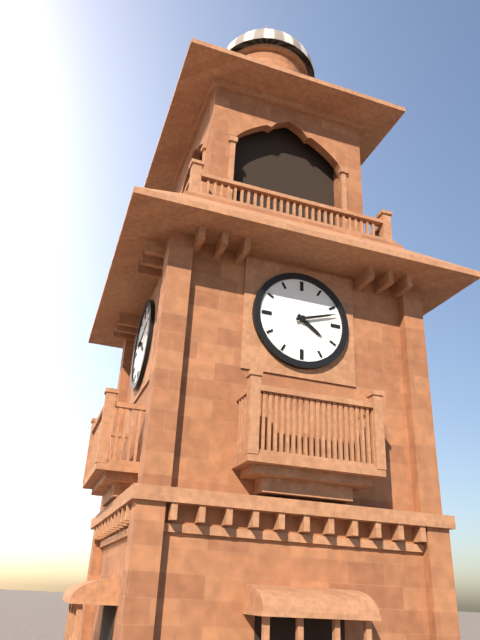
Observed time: 4:12
